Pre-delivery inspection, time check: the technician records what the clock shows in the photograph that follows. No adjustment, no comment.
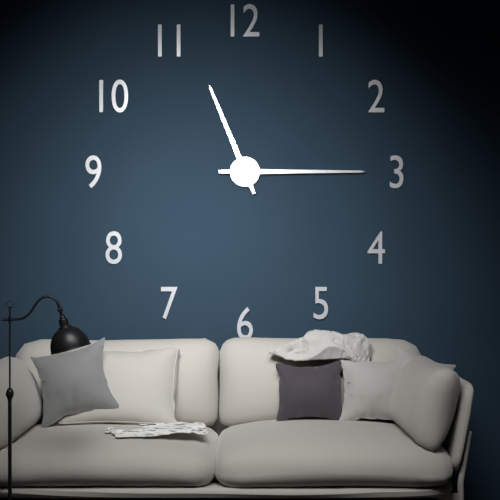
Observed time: 11:15
